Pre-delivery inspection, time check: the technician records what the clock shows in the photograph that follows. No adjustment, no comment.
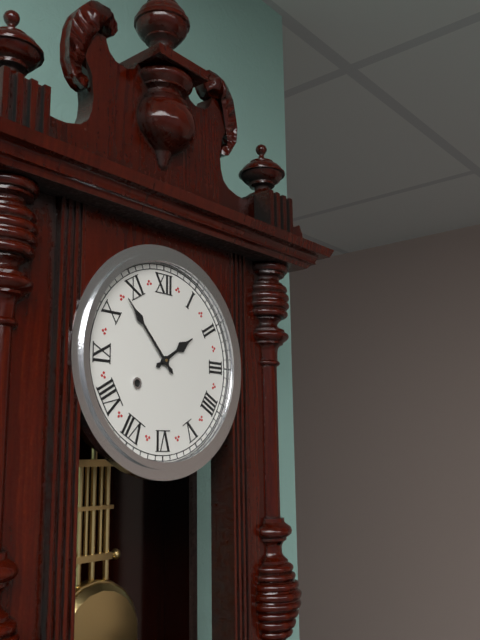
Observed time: 1:53
